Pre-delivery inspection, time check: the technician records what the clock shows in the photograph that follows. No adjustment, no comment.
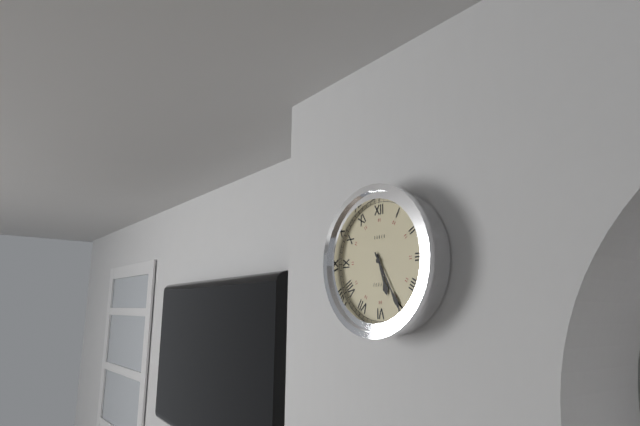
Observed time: 5:25
